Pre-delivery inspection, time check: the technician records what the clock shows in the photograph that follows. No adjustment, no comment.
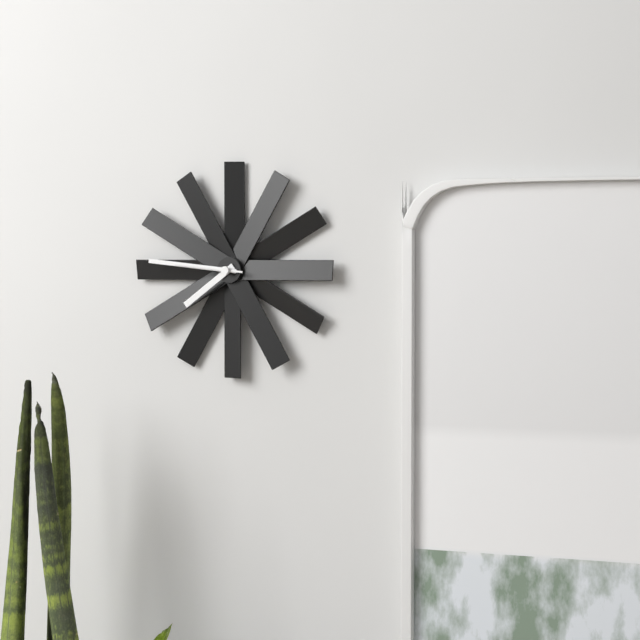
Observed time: 7:46:46
